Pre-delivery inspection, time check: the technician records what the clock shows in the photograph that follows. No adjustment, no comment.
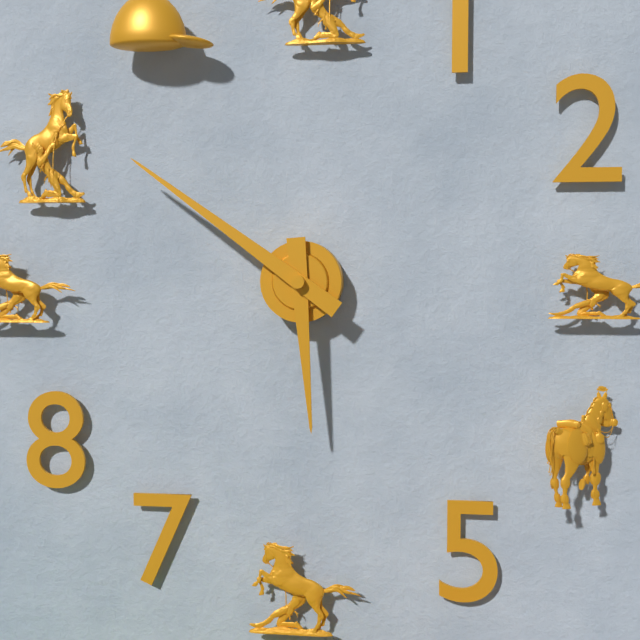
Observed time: 5:51
